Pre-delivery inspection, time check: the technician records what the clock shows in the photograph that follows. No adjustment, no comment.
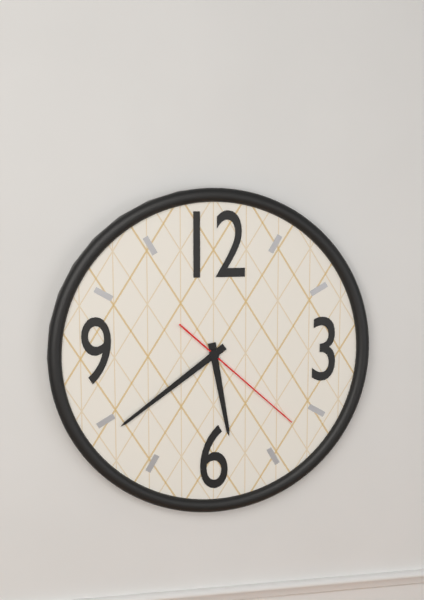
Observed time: 5:39:22
